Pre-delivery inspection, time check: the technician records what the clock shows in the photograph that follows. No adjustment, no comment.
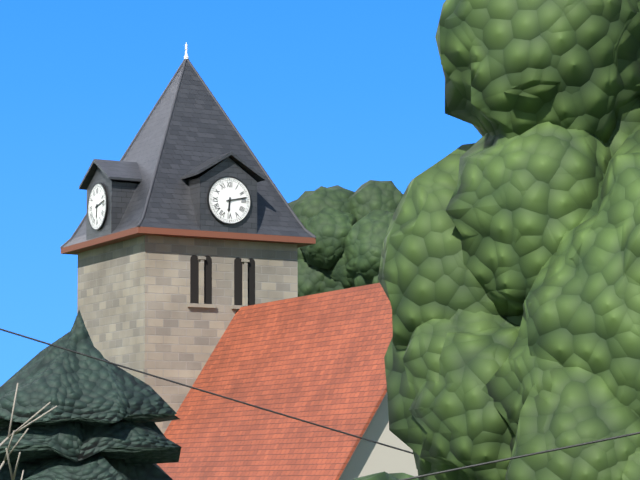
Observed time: 6:13
